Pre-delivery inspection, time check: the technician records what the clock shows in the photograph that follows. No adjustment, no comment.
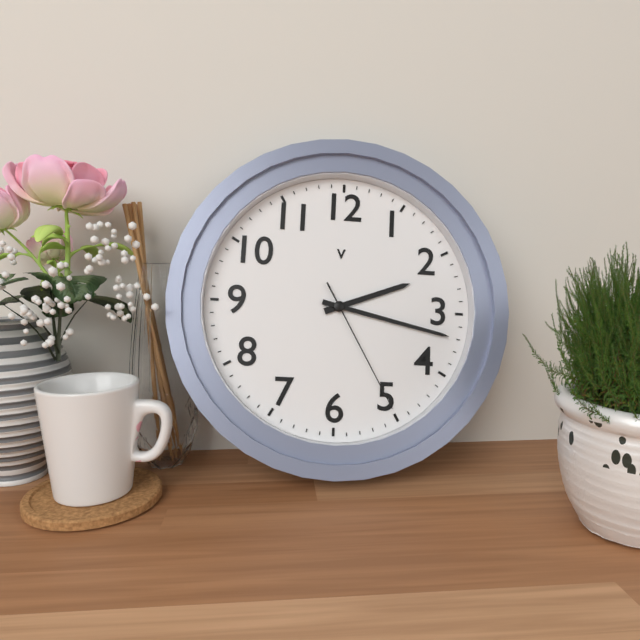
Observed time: 2:17:25
